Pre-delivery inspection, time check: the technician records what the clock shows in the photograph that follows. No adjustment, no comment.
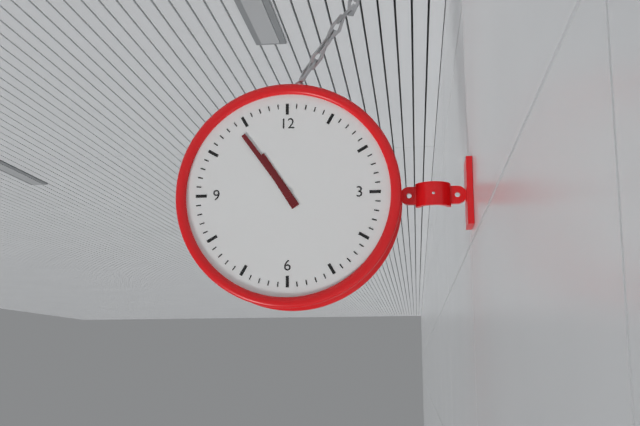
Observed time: 10:54
